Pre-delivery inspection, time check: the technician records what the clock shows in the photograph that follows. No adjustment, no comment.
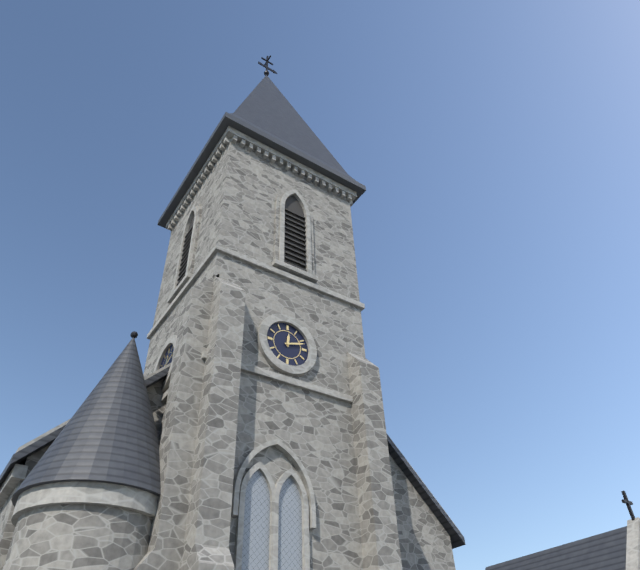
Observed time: 12:12
